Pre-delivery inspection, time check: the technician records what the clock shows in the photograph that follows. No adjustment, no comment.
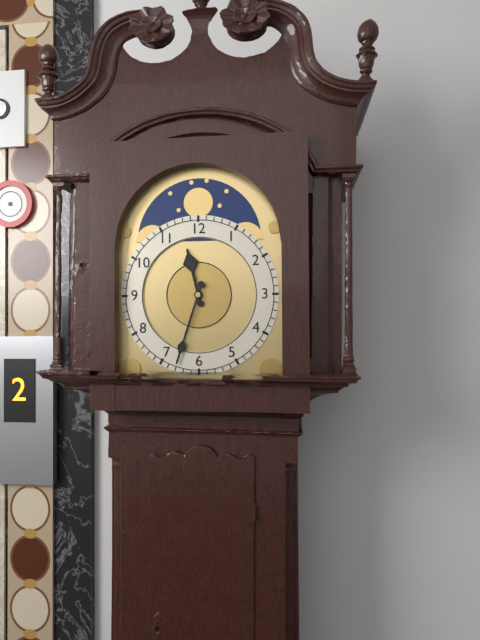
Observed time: 11:33
